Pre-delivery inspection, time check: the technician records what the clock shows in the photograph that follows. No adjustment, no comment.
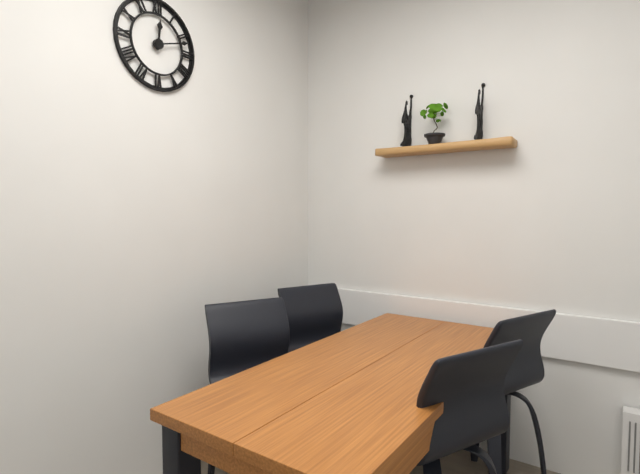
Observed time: 12:12
